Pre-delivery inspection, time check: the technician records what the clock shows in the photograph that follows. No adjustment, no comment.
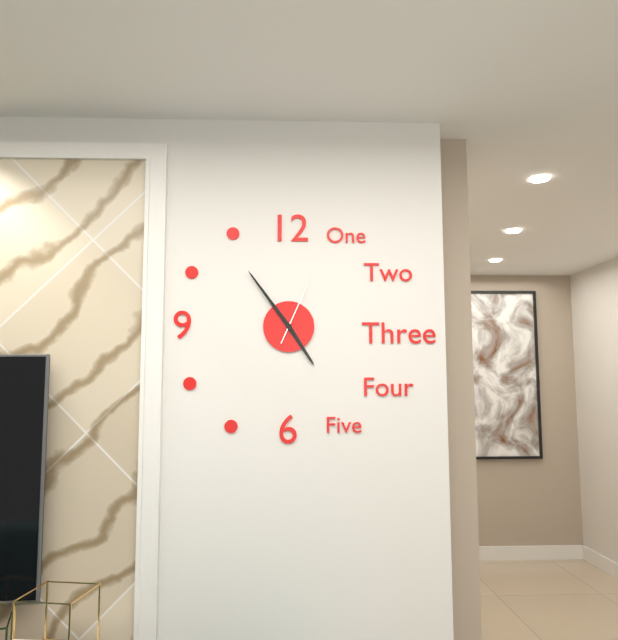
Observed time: 4:54:04
